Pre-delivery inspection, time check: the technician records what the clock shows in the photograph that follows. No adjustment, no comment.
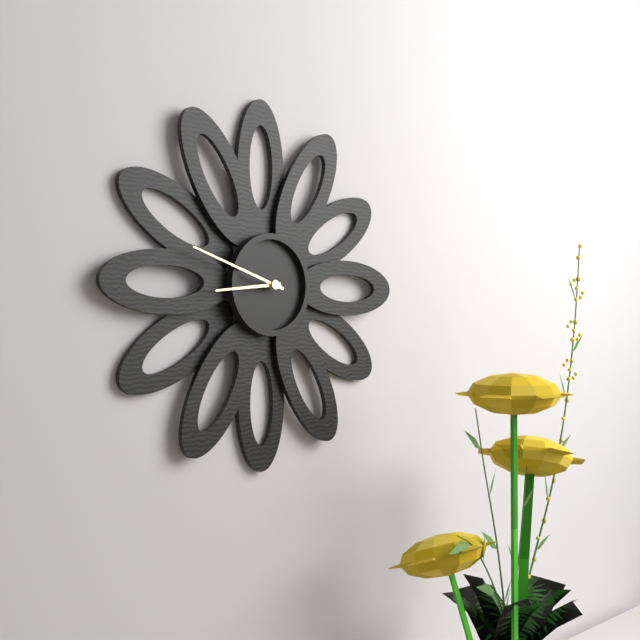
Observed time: 8:48
